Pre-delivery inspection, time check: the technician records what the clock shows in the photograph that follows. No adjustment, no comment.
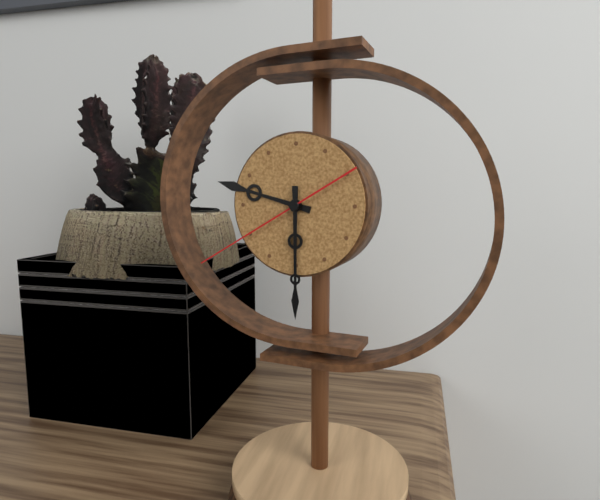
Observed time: 9:30:40
